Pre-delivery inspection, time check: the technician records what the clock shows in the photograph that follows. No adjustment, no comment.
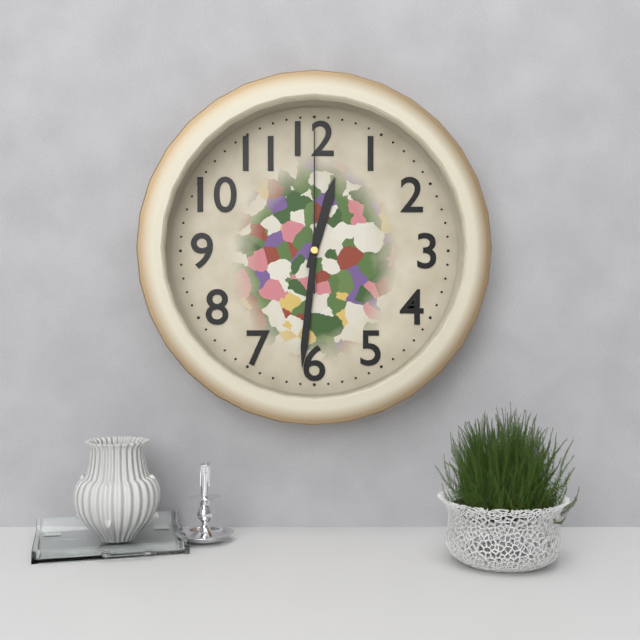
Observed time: 12:31:00
